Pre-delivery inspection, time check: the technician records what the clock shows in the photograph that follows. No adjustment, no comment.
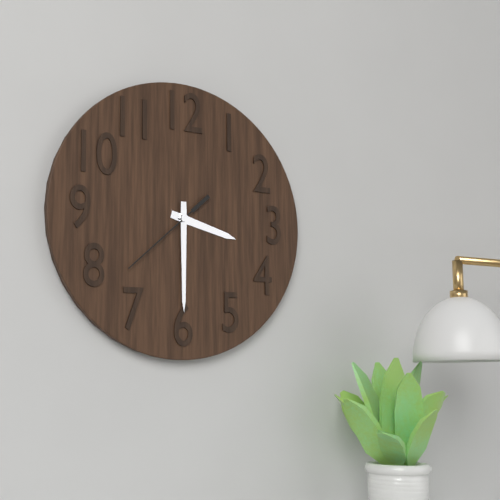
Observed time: 3:30:38
